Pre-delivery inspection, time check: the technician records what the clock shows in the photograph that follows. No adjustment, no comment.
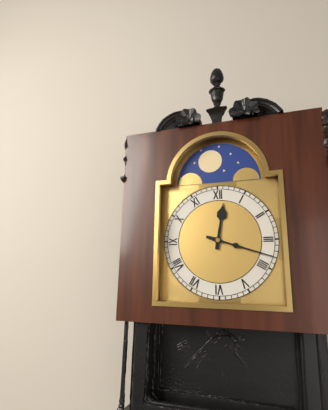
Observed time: 12:18
